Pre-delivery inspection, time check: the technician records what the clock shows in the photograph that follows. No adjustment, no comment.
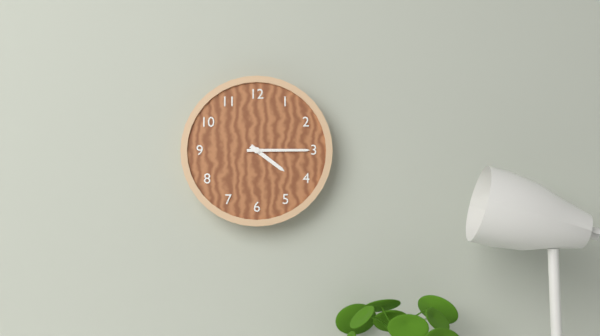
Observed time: 4:15
